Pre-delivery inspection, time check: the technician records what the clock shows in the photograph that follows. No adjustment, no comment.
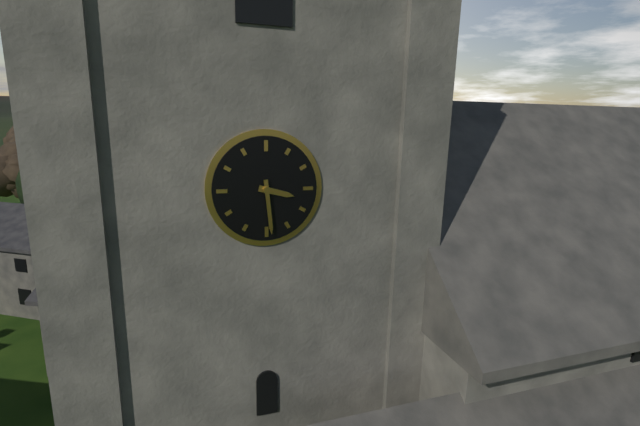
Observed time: 3:29
